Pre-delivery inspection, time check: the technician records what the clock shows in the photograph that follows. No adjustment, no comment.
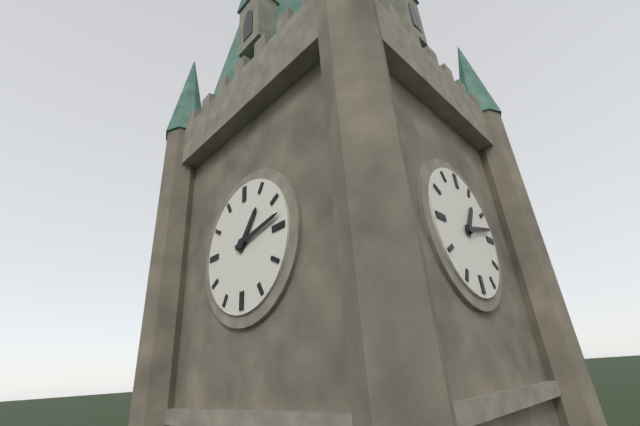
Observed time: 1:13
